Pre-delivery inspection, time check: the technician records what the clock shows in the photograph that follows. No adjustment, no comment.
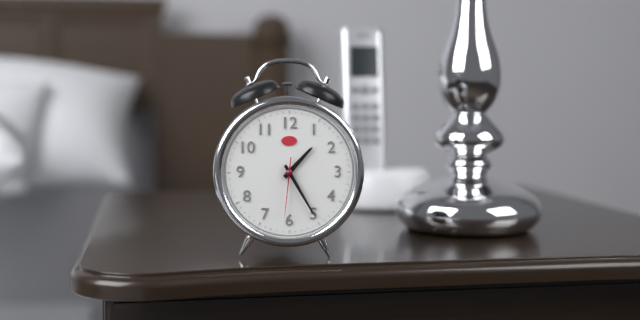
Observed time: 1:25:31
